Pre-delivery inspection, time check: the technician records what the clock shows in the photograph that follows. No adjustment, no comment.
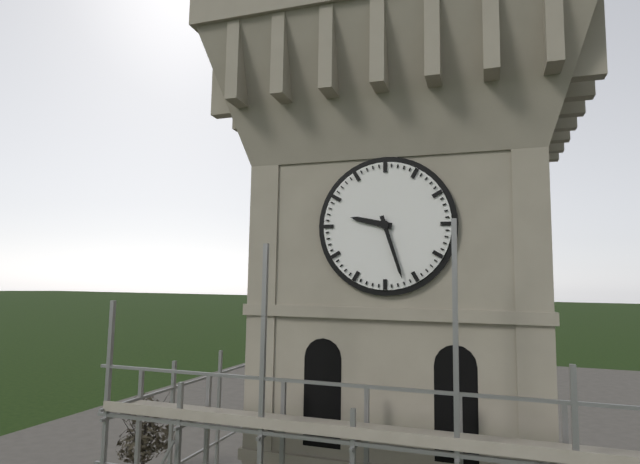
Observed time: 9:27
